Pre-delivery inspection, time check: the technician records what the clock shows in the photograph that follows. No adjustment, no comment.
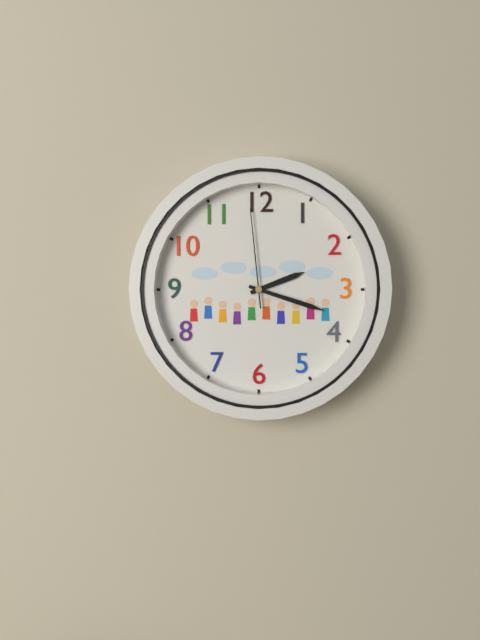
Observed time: 2:18:59
